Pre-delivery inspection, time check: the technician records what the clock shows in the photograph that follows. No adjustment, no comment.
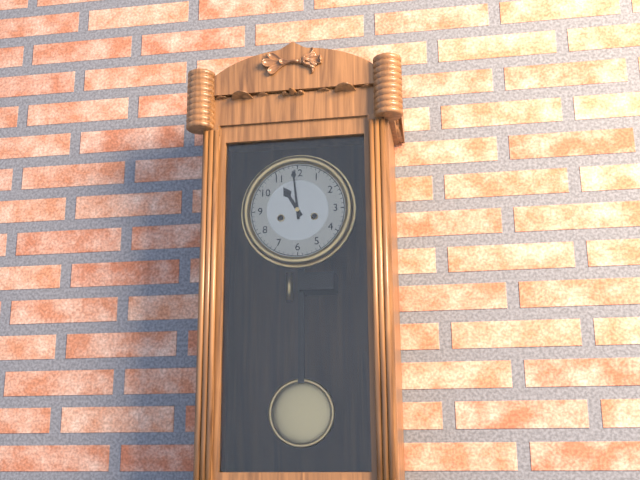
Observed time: 10:59
